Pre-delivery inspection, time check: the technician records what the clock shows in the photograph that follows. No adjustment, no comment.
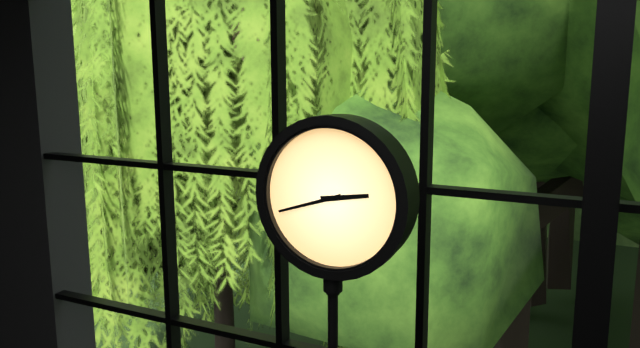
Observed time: 2:42
